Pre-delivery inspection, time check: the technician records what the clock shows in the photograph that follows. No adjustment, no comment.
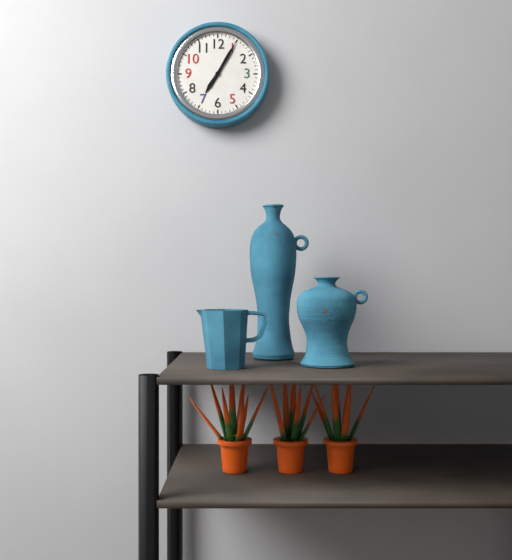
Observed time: 7:05
